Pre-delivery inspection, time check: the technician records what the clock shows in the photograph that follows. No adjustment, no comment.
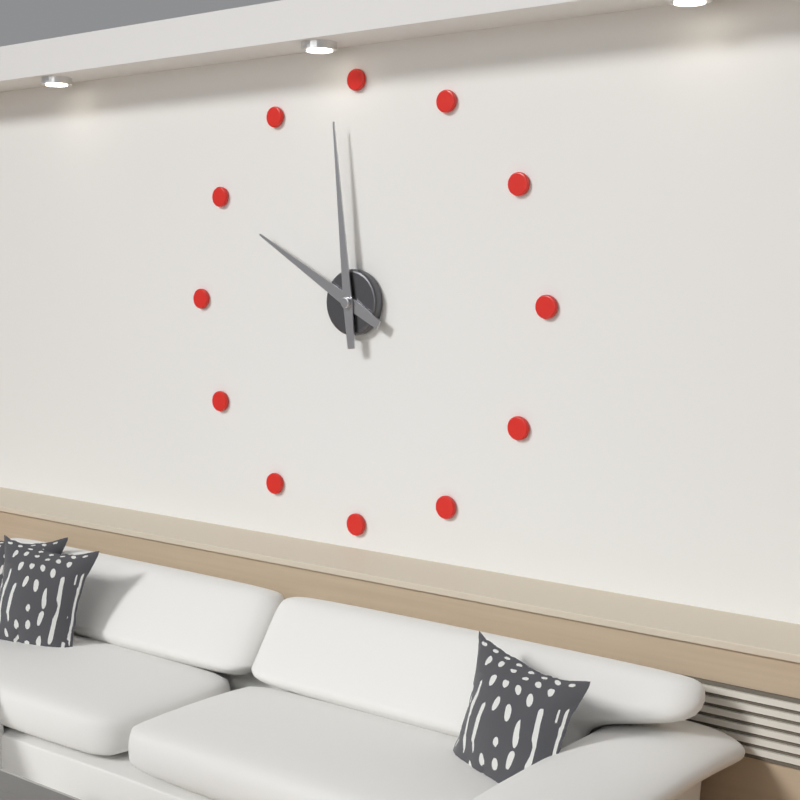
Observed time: 9:59
